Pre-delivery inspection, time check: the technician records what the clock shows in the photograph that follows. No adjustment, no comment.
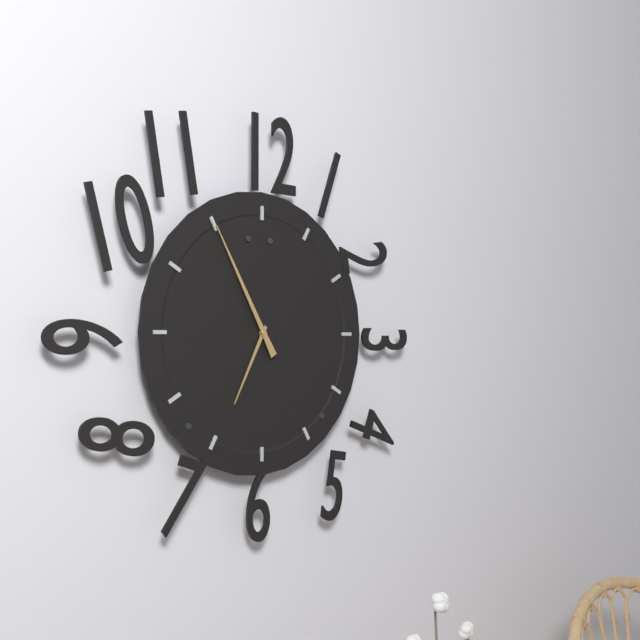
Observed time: 6:55
